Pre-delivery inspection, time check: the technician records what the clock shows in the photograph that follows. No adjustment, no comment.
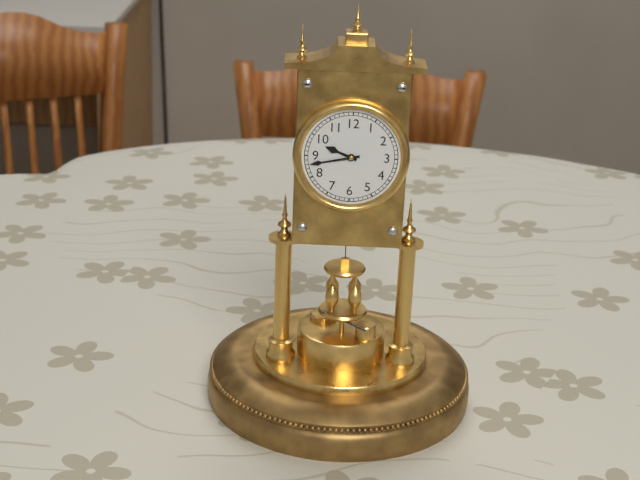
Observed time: 9:43
